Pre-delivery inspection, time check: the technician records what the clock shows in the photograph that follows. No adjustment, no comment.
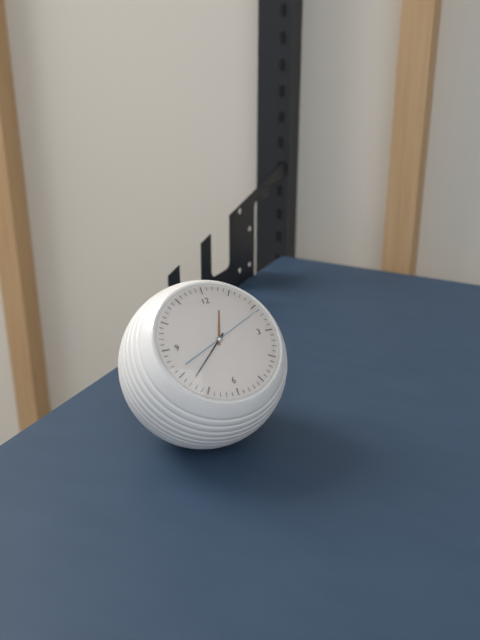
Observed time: 12:38:11
